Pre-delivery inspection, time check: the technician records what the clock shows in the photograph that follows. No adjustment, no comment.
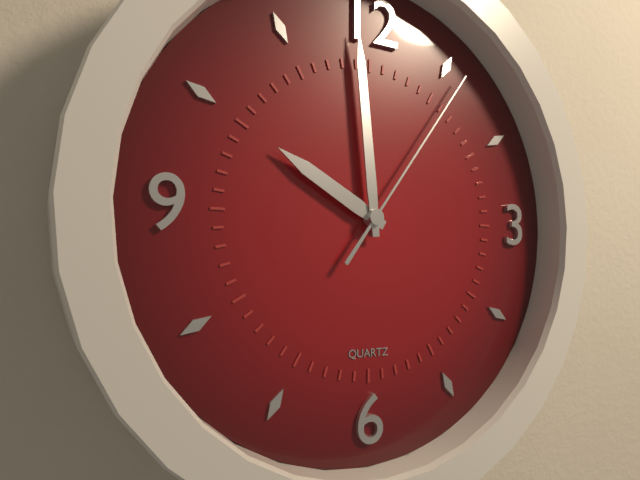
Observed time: 9:59:06
